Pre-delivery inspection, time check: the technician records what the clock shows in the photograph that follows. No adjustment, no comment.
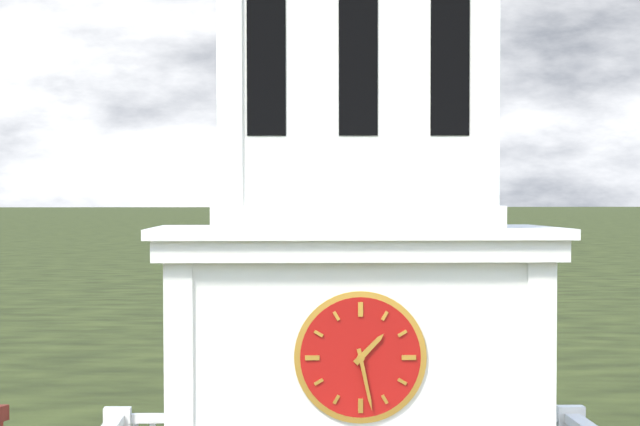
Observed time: 1:28
